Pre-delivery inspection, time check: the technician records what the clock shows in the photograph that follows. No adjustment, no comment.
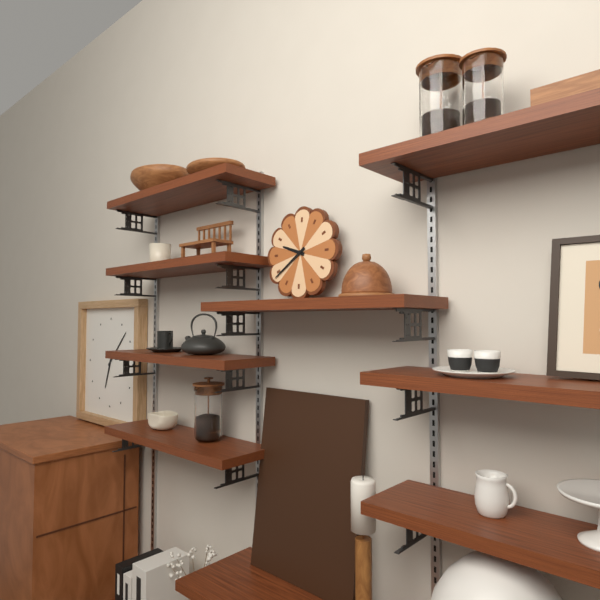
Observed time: 9:39
